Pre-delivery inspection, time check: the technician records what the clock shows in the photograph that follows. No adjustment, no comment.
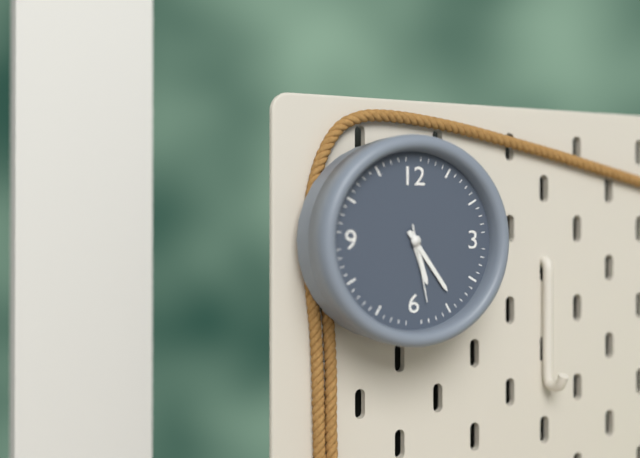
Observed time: 5:24:28
